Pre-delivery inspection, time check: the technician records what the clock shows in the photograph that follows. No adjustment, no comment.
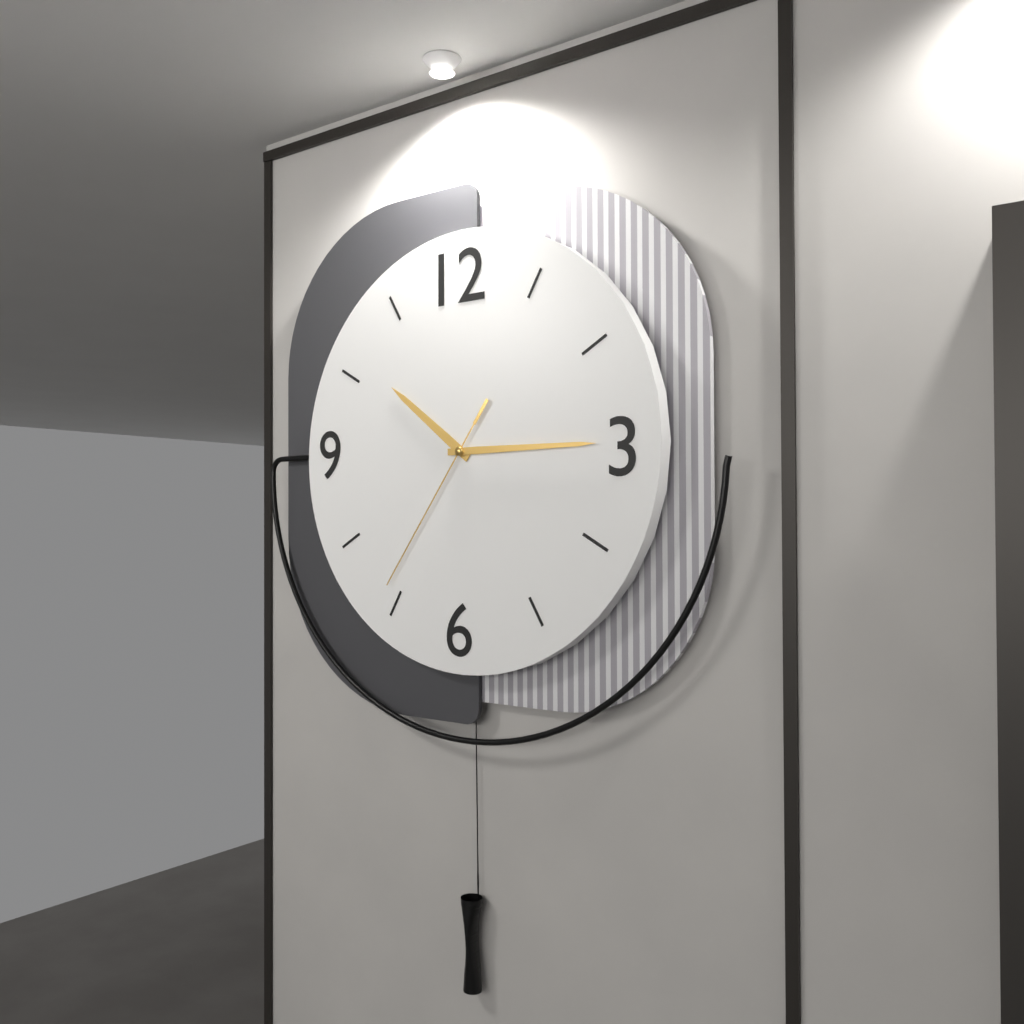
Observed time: 10:15:36
